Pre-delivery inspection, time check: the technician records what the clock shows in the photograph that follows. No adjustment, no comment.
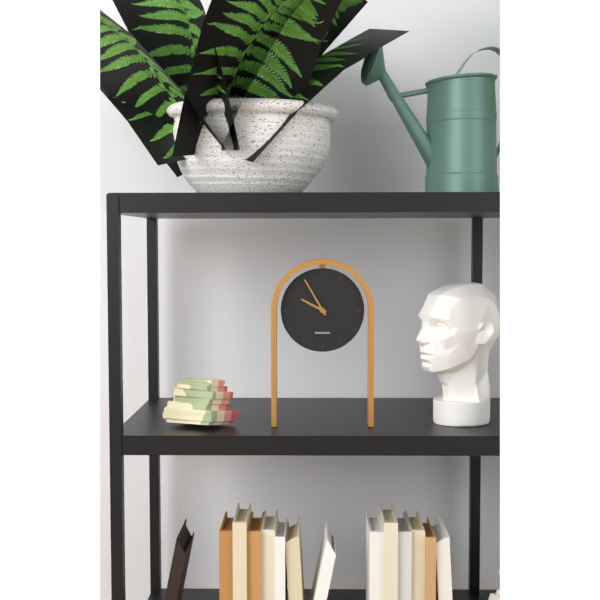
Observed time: 9:55
